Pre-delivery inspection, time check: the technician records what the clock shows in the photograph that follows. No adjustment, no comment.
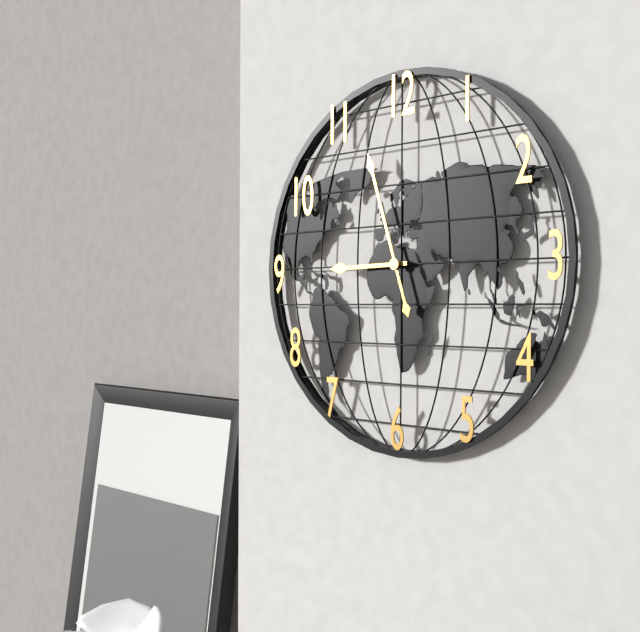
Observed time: 8:57
